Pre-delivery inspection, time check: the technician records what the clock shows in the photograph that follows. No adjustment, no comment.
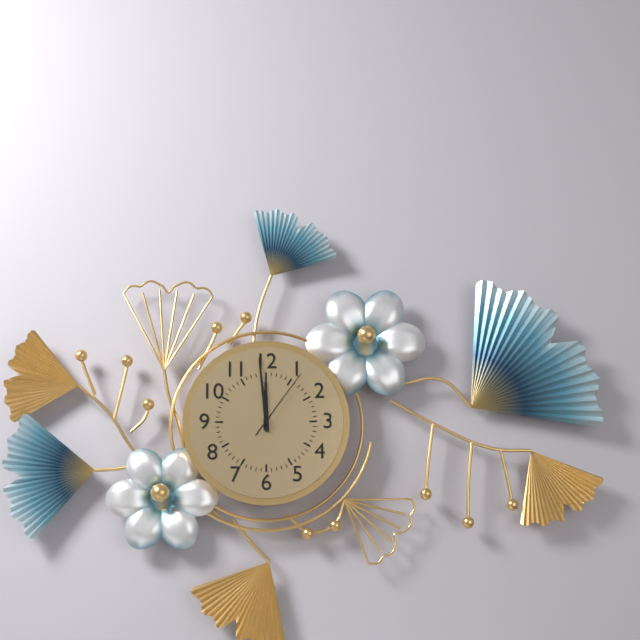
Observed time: 11:59:06
